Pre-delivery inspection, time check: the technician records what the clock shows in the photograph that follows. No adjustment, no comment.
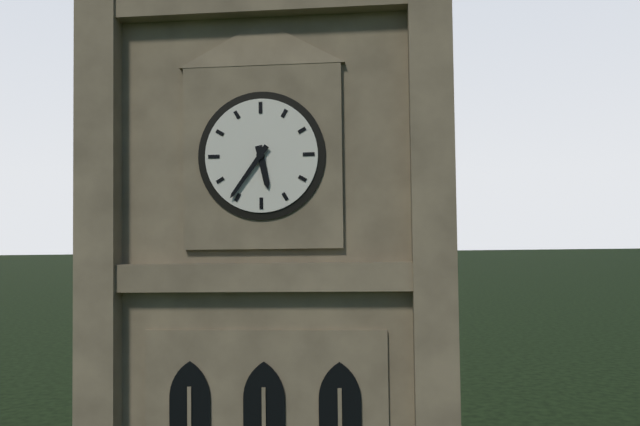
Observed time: 5:36
